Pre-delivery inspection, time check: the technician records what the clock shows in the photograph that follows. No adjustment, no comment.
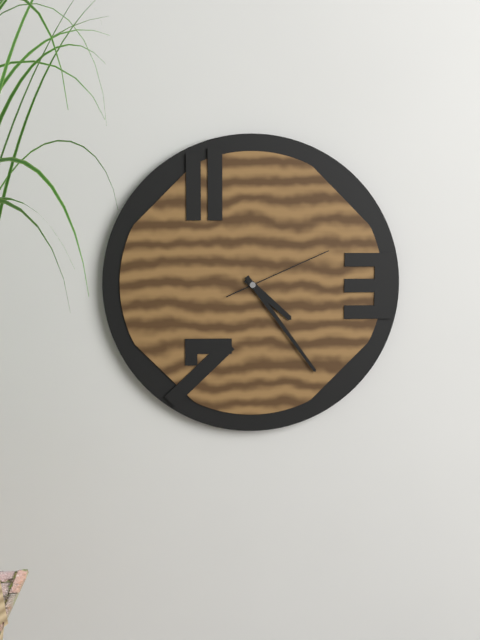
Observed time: 4:24:11
